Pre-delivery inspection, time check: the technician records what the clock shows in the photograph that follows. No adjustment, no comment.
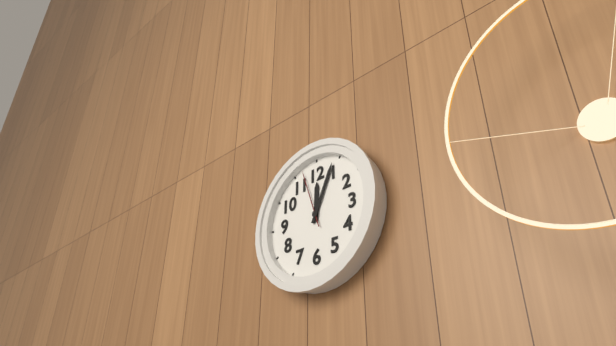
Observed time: 12:04:57
